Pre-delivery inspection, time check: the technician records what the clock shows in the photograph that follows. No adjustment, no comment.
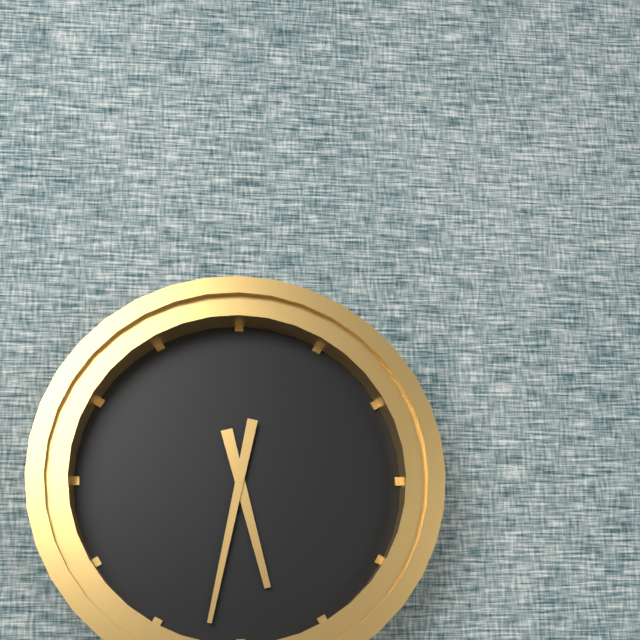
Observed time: 5:32
